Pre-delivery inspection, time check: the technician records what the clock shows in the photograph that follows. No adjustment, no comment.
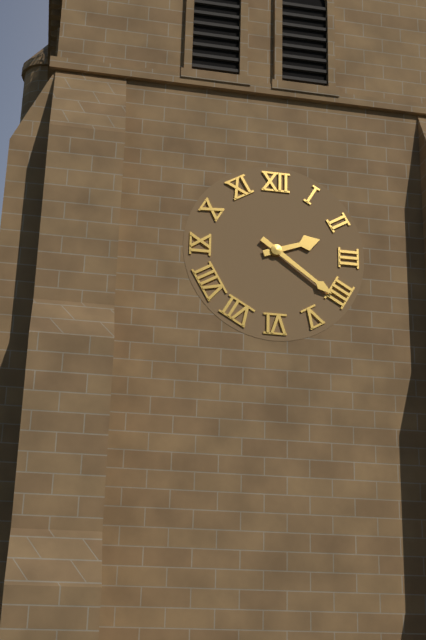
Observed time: 2:21
